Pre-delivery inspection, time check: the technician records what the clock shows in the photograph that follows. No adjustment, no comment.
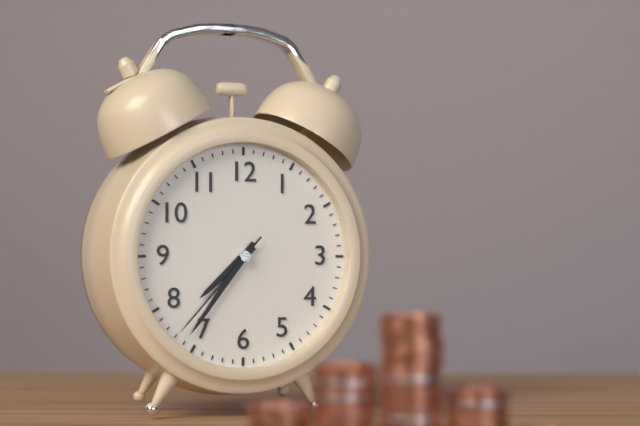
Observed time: 7:36:37
